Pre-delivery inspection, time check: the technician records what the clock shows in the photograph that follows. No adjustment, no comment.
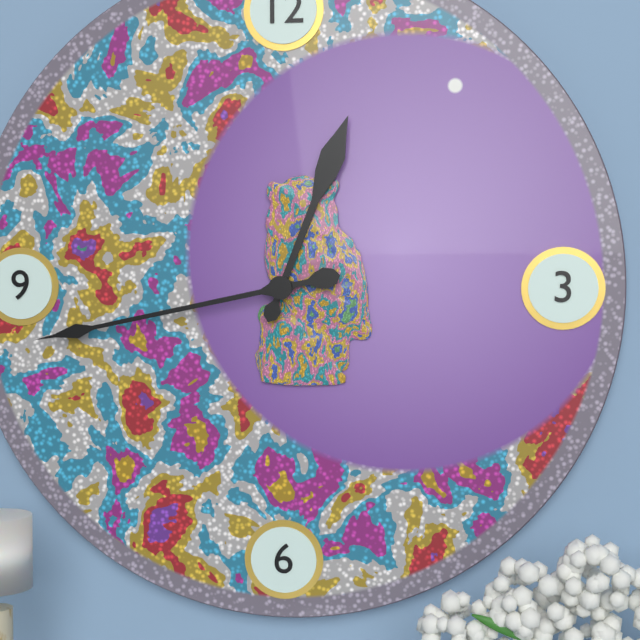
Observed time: 12:43
